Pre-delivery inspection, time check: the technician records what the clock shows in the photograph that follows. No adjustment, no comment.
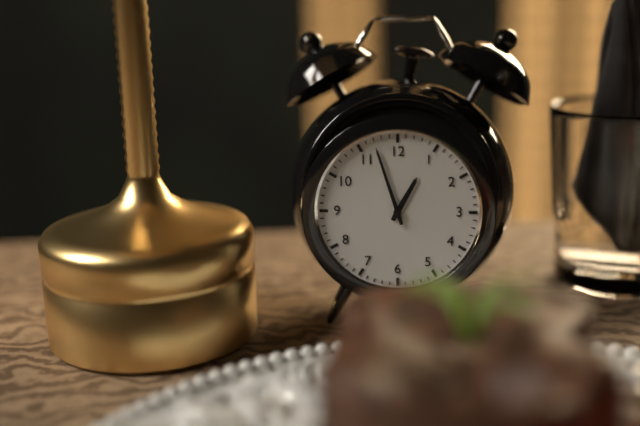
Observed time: 12:57
